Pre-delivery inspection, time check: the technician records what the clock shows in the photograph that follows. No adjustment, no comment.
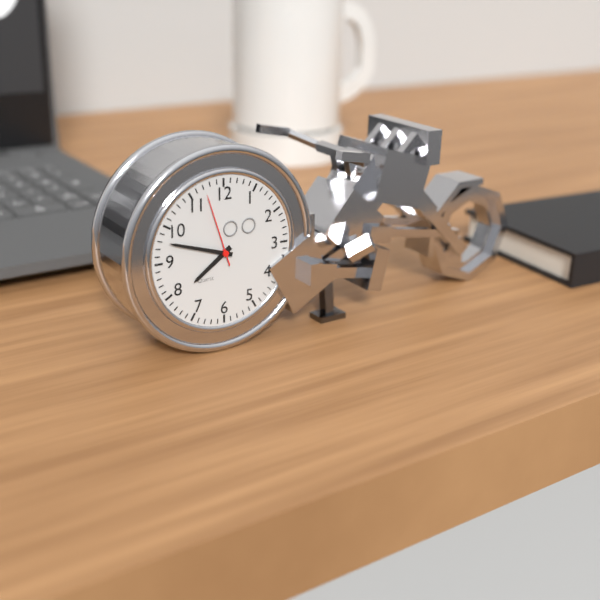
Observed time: 7:48:57
